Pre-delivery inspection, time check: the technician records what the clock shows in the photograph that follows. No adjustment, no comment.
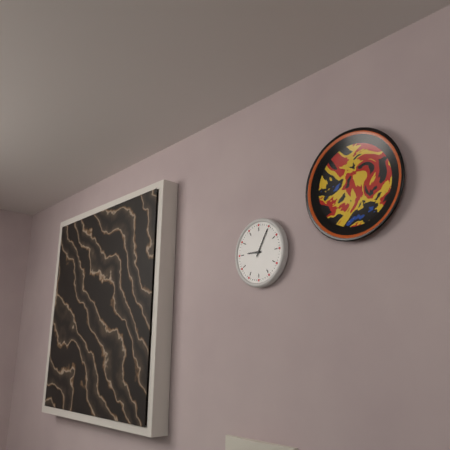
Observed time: 9:05
